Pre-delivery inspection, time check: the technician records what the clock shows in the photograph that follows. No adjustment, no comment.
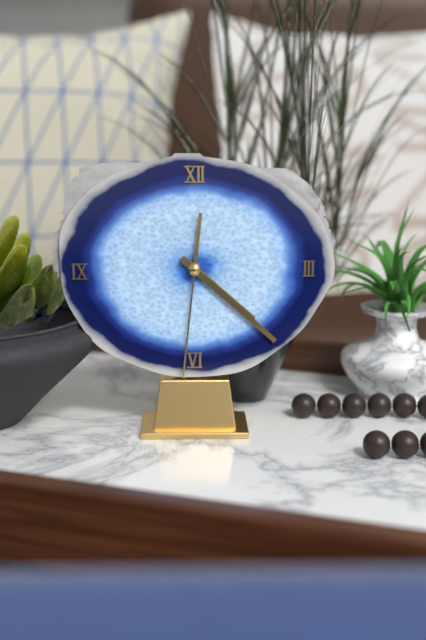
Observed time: 4:22:31
